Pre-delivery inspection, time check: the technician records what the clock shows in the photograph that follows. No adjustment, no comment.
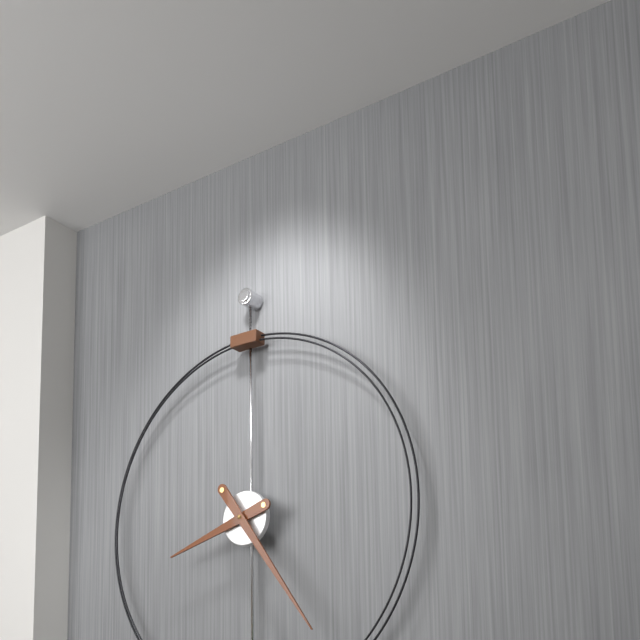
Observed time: 8:24
